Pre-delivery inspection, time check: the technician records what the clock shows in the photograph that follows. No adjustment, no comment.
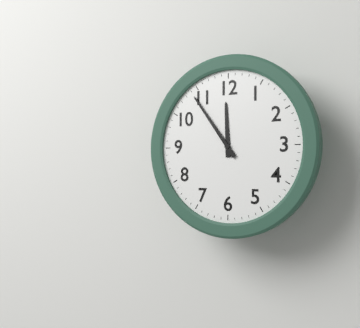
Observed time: 11:54
